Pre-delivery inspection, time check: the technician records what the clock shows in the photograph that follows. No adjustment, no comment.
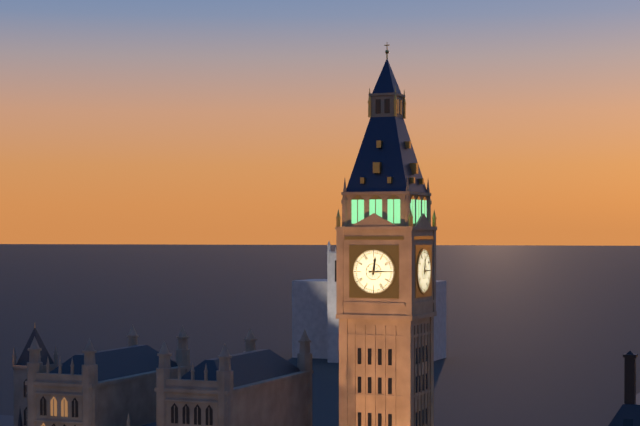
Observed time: 12:15
